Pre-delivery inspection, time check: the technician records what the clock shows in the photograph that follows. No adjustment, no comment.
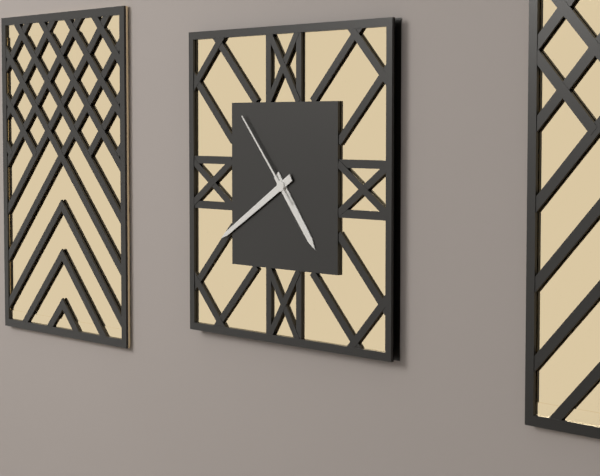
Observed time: 4:40:53
